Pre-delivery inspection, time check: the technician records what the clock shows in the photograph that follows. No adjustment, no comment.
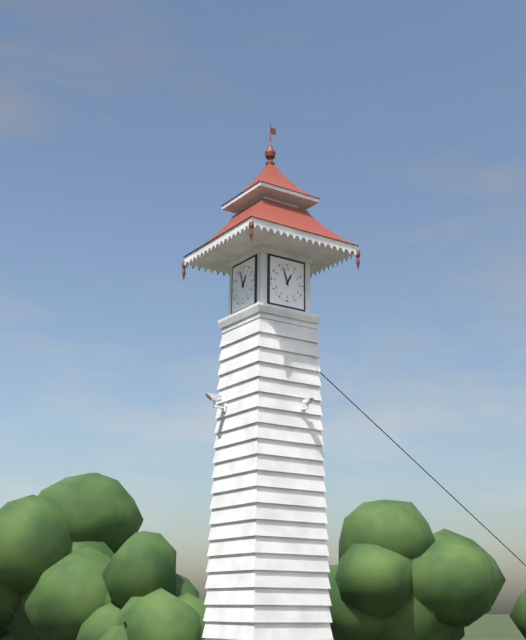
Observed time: 12:57
